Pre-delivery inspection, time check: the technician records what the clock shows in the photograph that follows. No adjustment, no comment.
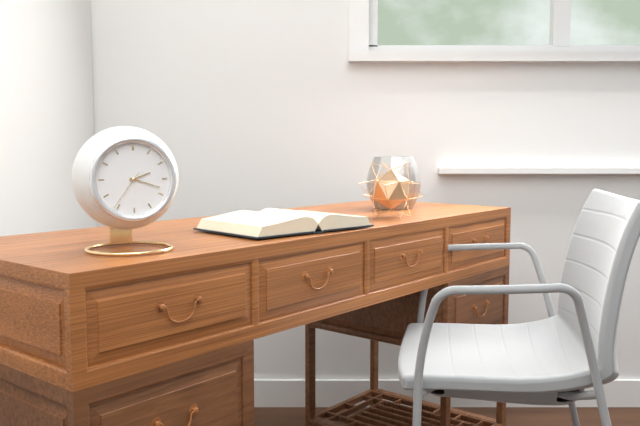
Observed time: 2:18
